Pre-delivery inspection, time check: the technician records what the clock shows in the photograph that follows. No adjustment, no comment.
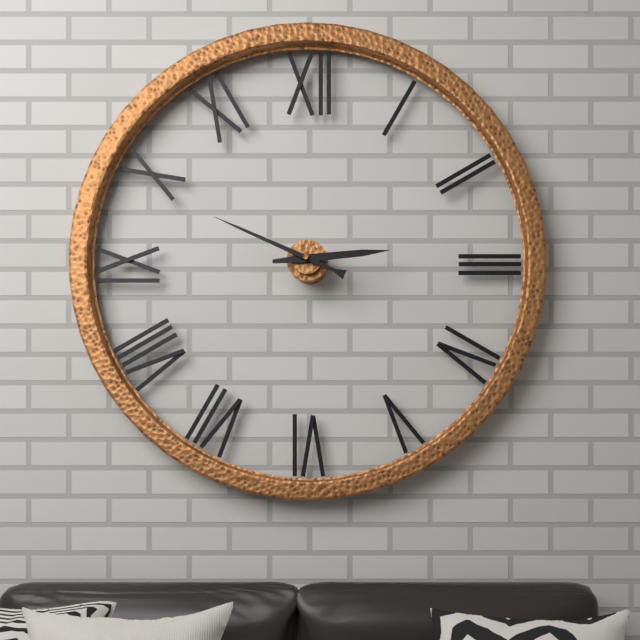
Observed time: 2:49
